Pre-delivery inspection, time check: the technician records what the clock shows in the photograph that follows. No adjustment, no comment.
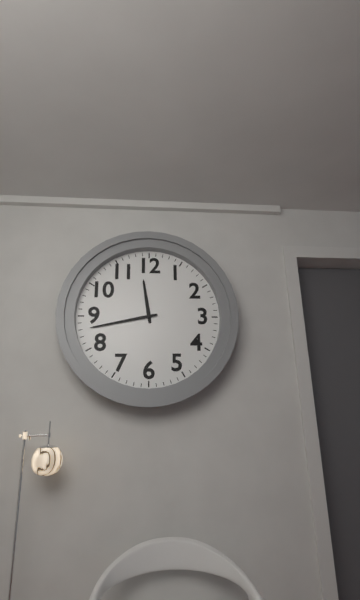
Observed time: 11:43
